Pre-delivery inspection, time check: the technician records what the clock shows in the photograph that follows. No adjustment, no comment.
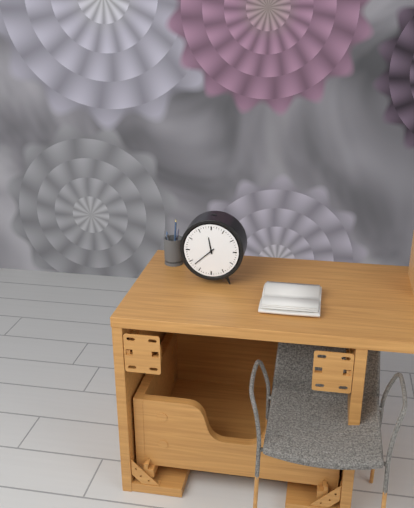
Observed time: 11:38
